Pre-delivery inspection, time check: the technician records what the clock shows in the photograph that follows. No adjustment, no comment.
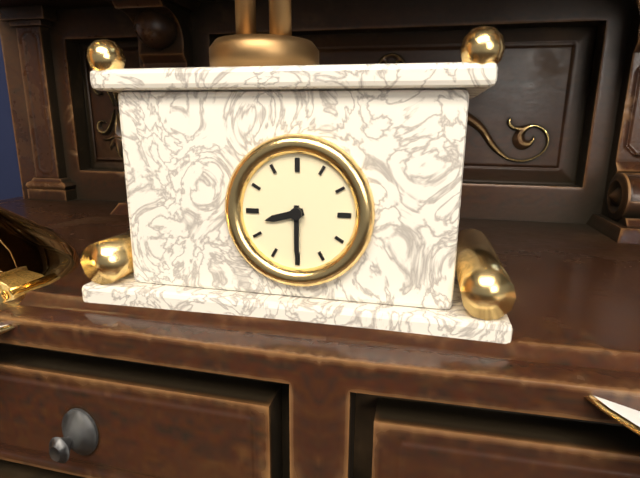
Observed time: 8:30
